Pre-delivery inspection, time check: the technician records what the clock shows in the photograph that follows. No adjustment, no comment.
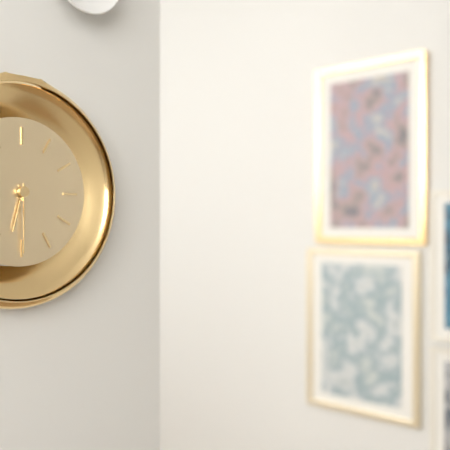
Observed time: 6:30
